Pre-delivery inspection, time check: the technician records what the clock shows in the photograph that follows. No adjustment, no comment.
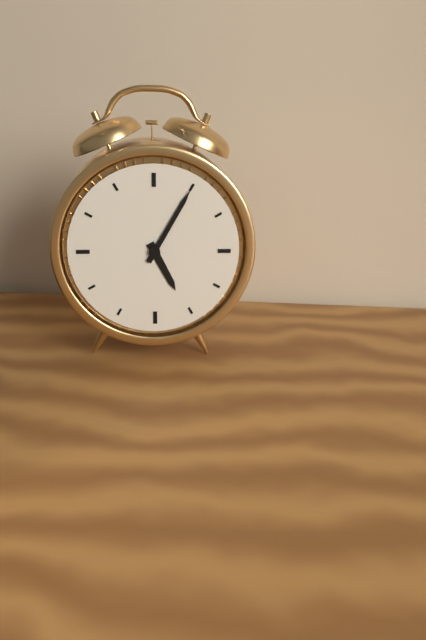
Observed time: 5:05
